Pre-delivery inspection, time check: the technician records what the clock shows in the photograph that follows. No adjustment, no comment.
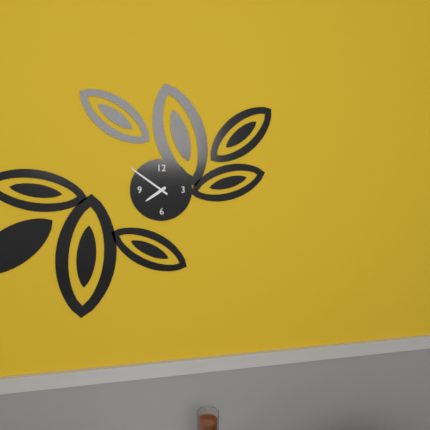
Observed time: 7:51
